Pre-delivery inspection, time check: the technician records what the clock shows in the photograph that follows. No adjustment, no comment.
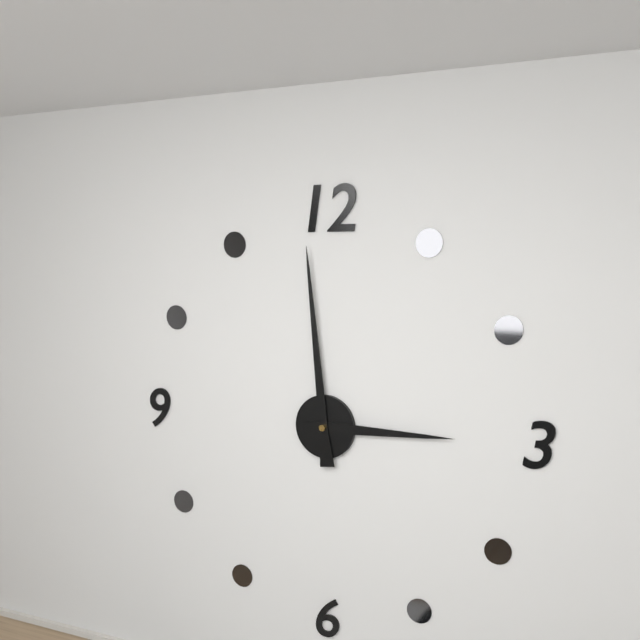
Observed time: 2:59
